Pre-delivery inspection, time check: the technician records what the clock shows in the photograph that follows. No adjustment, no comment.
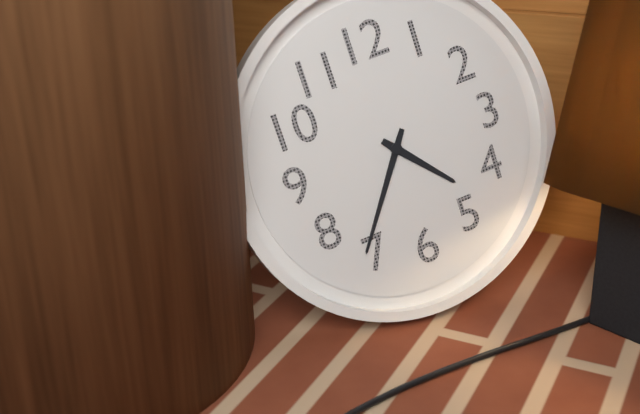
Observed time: 4:36
